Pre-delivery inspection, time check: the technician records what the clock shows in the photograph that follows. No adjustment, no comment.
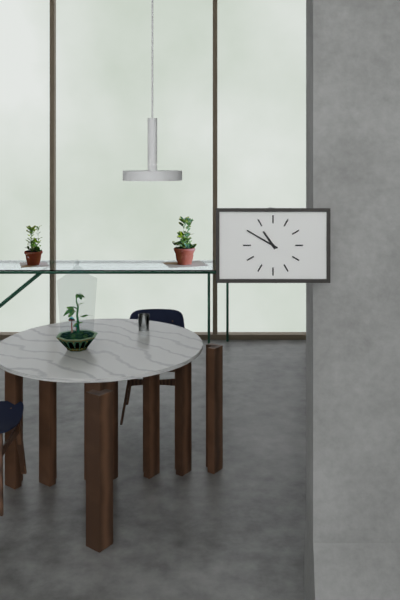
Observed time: 10:50
